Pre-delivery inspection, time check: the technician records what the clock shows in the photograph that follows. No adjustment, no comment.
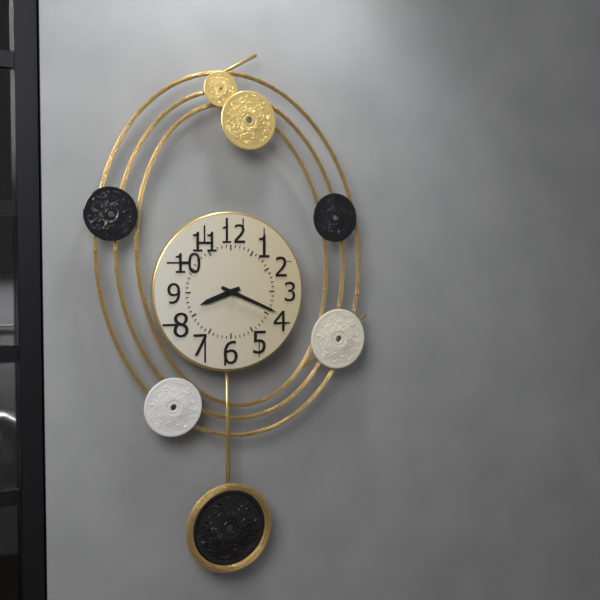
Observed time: 8:19
